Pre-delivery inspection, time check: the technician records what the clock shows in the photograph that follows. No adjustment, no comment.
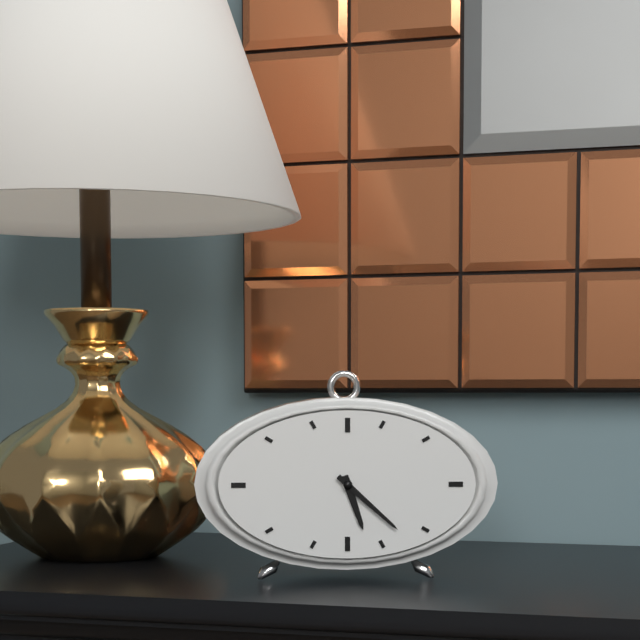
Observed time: 5:22
